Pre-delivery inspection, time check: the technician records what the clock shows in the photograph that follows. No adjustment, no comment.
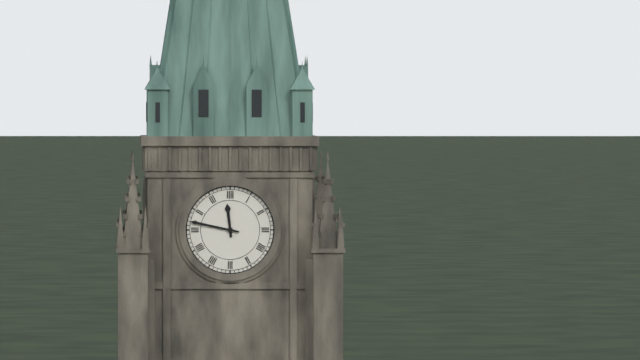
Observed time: 11:47
